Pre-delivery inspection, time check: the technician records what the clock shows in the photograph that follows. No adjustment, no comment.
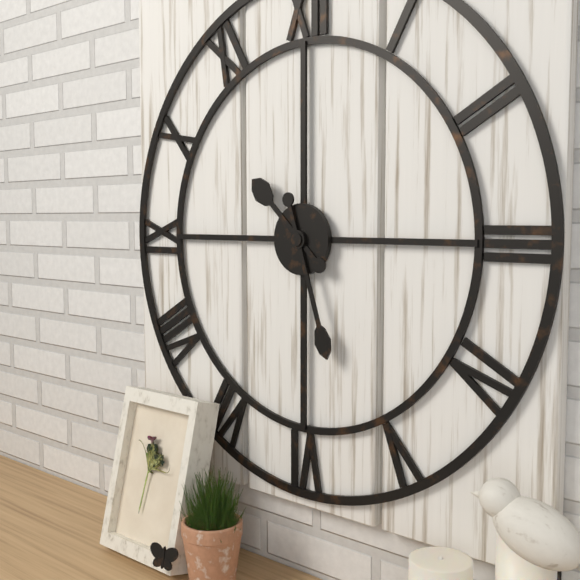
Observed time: 10:27
